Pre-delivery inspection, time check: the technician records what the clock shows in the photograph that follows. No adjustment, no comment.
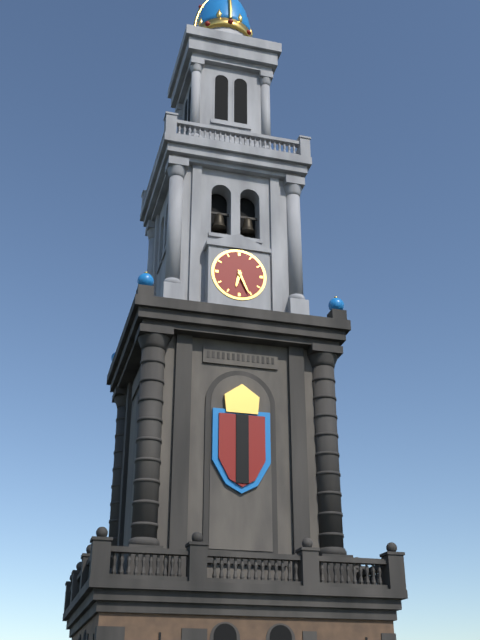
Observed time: 6:26
